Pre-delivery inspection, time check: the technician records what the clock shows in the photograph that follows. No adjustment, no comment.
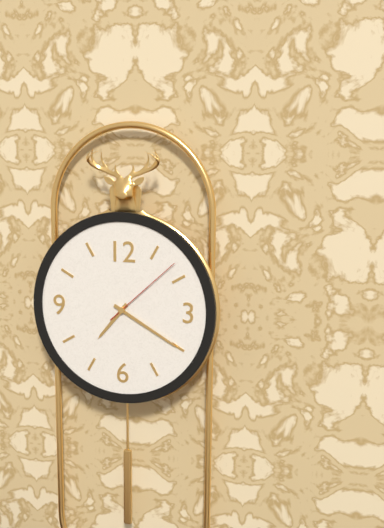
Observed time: 7:20:08
